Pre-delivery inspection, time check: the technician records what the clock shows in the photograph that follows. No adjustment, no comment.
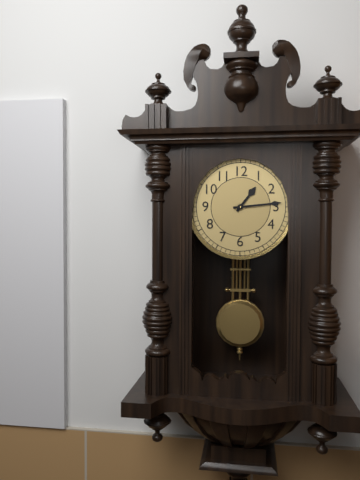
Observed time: 1:14
